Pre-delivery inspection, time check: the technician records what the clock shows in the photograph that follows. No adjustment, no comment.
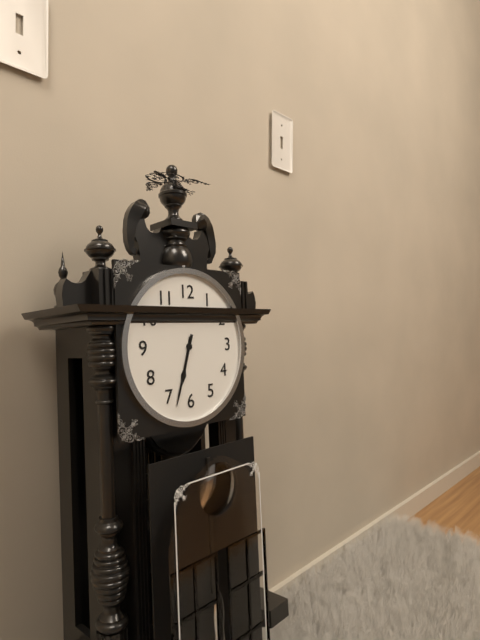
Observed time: 6:33
